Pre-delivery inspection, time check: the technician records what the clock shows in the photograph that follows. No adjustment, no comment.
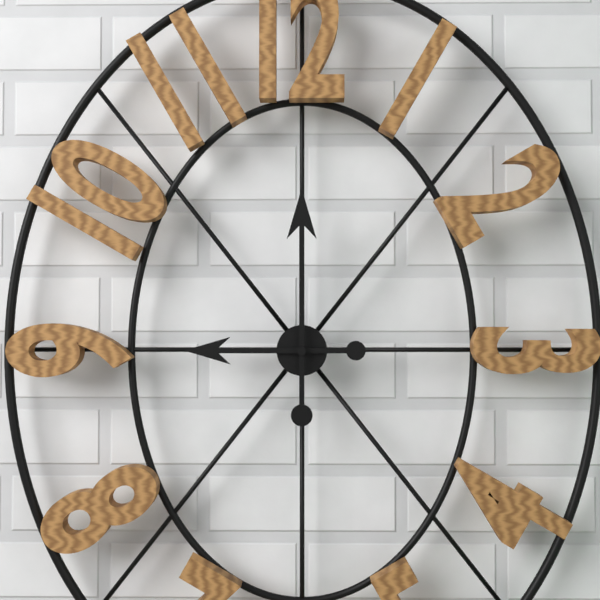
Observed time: 9:00
